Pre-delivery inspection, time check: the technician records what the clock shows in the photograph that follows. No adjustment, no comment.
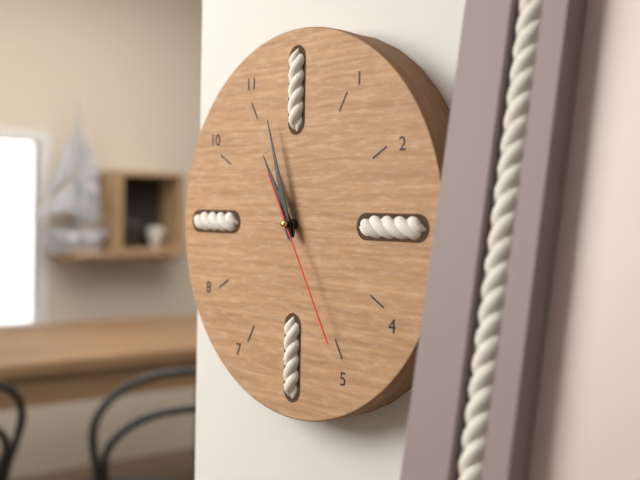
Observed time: 10:57:25
